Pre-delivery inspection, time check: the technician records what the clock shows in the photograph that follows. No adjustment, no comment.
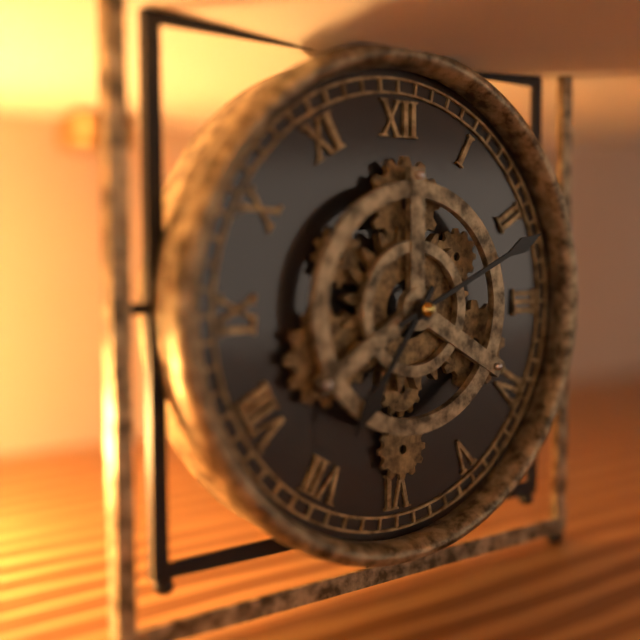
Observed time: 7:11
